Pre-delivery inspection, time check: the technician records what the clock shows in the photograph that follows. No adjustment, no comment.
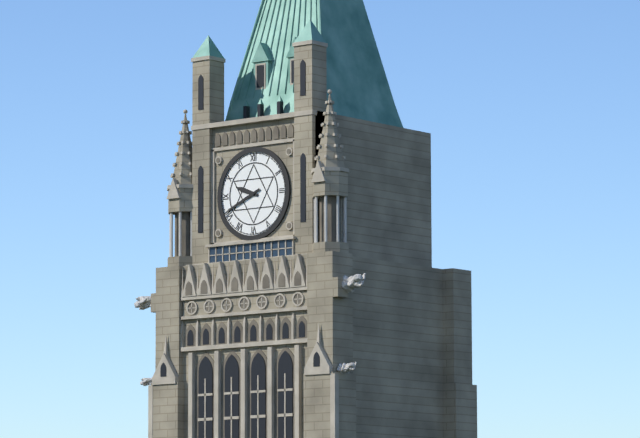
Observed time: 9:41
